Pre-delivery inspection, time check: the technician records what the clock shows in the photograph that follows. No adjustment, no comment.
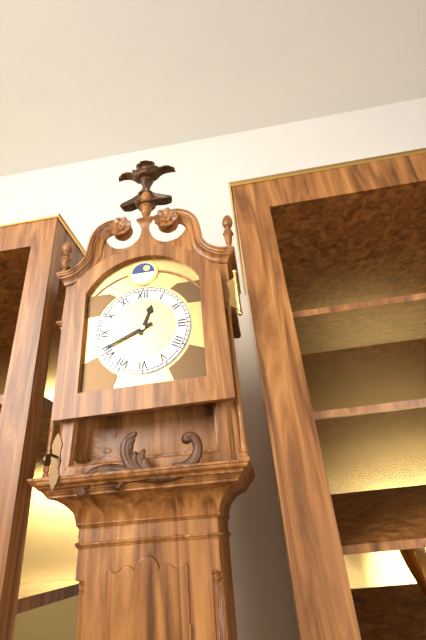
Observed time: 12:41
